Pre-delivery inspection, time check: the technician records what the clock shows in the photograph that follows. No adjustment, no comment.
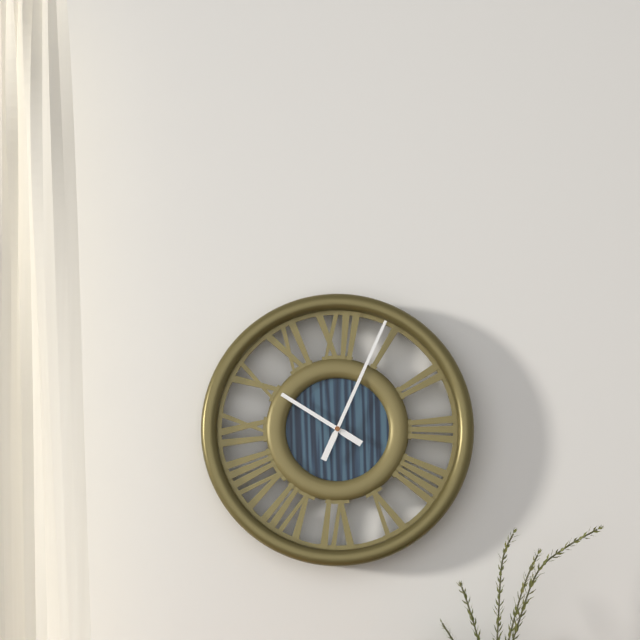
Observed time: 10:04
